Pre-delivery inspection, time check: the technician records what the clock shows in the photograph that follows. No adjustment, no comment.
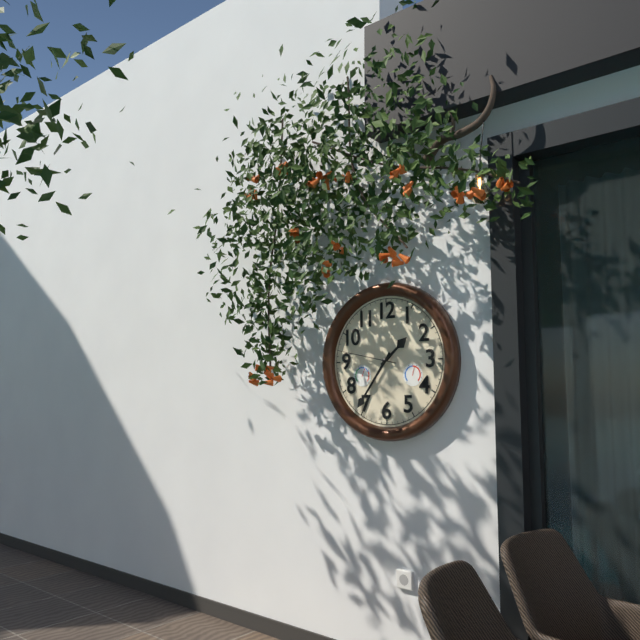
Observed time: 1:36:47
